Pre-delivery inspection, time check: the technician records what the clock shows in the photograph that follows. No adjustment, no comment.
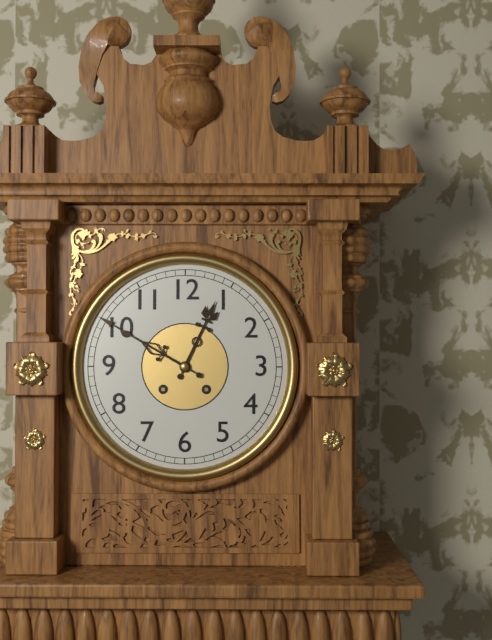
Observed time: 12:50
